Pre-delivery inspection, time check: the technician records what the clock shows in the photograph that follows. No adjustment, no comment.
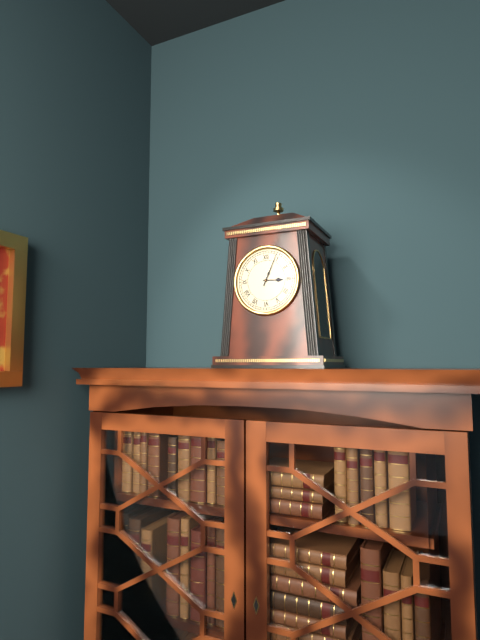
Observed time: 3:04
